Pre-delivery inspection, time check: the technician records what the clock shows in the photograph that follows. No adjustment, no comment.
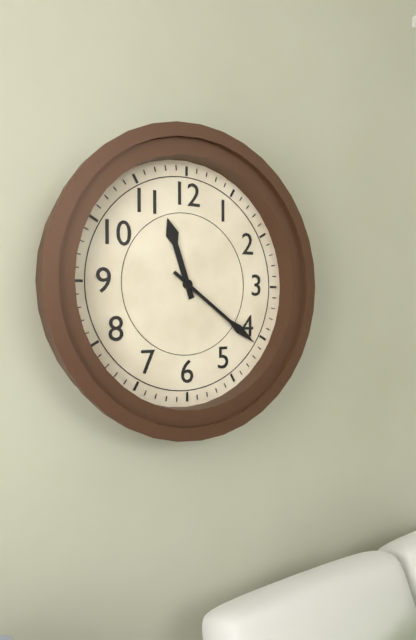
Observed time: 11:21
